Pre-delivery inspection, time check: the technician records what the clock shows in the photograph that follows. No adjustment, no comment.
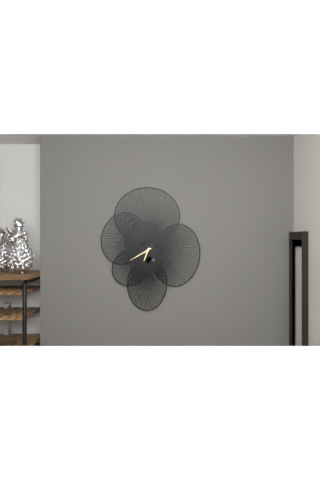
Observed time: 6:40
